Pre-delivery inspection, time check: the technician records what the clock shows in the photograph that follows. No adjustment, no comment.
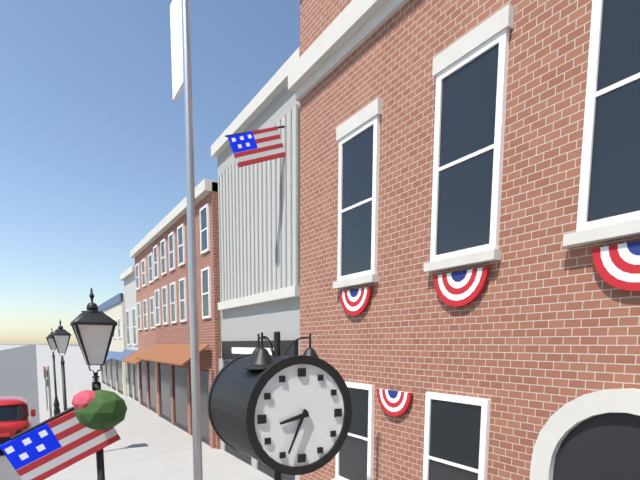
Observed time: 8:34
